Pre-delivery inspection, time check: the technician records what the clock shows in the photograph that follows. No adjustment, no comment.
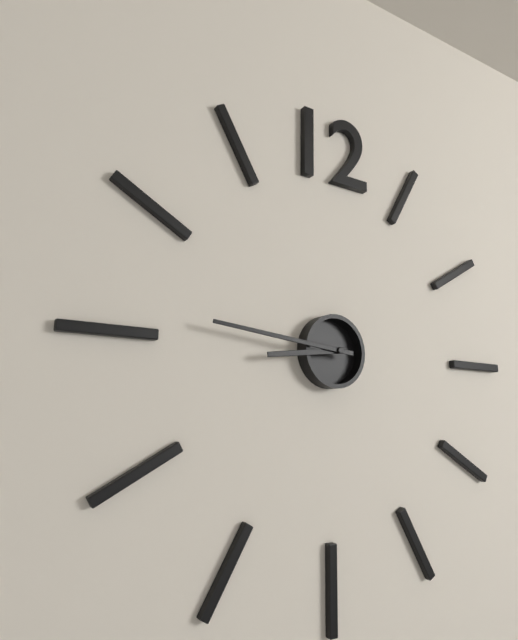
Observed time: 8:46
